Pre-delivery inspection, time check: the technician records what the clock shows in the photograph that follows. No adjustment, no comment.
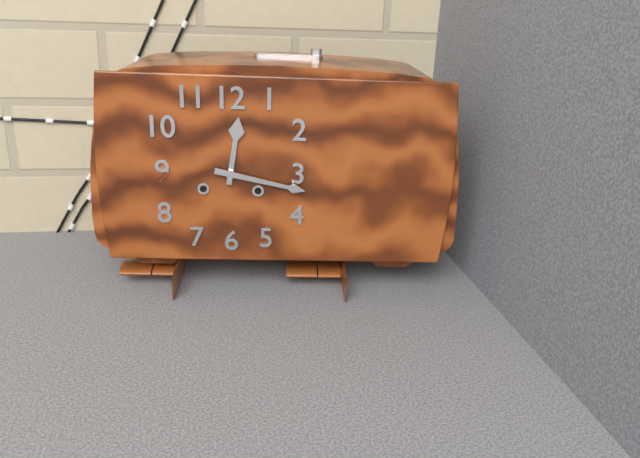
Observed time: 12:17
